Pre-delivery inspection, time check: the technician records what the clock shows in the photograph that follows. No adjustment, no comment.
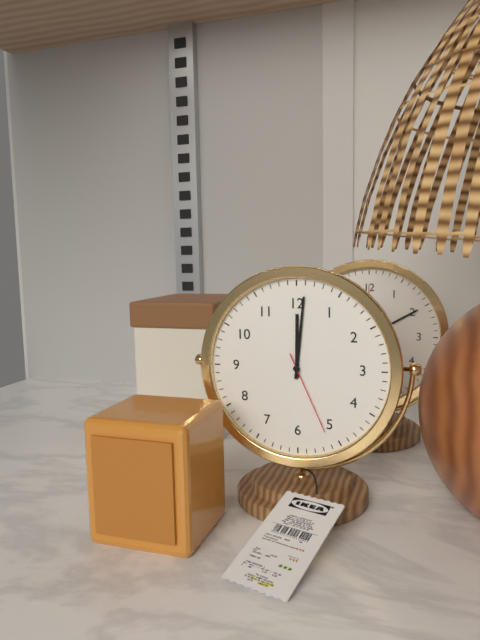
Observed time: 12:01:26
